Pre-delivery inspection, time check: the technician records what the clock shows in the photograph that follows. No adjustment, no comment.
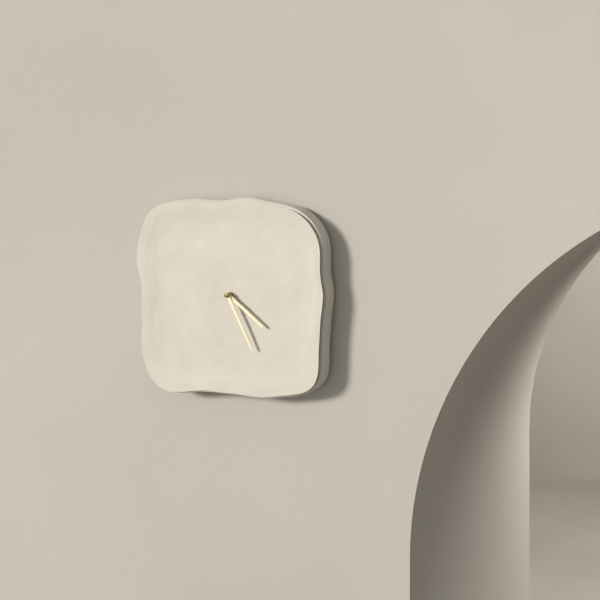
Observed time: 4:26
